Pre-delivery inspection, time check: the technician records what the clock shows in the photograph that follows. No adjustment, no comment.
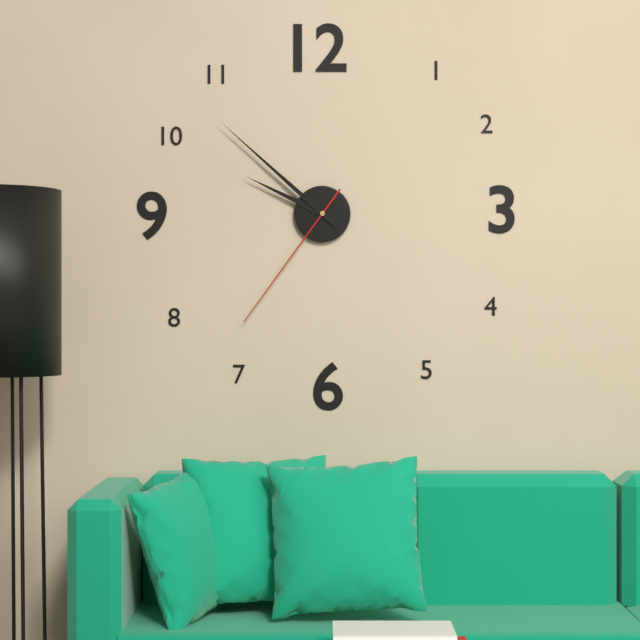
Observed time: 9:52:36
